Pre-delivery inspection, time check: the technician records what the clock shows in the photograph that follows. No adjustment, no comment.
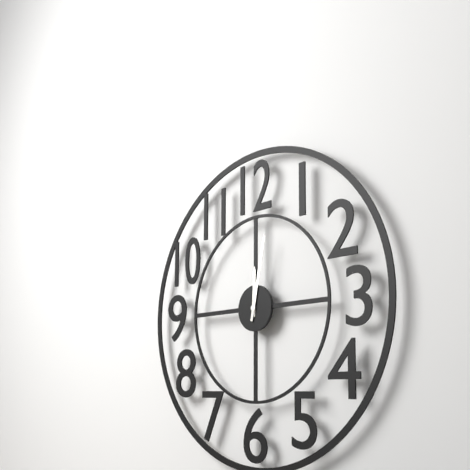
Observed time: 12:02
